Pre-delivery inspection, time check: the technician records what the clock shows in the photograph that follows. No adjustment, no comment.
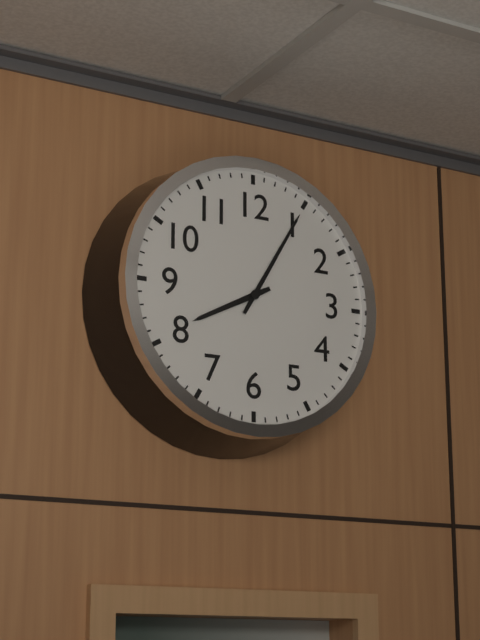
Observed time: 8:05
